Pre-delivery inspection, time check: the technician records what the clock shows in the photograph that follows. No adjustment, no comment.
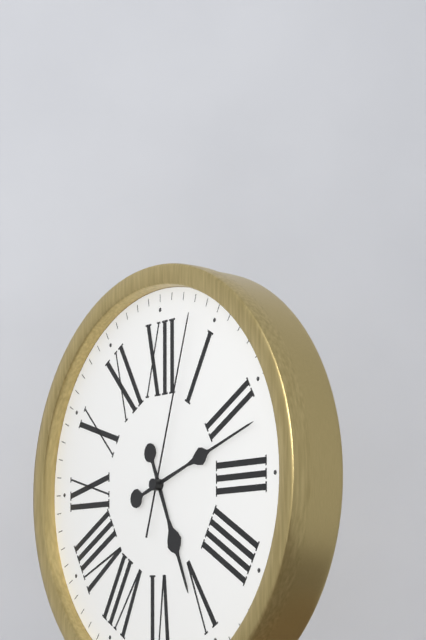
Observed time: 5:12:03
